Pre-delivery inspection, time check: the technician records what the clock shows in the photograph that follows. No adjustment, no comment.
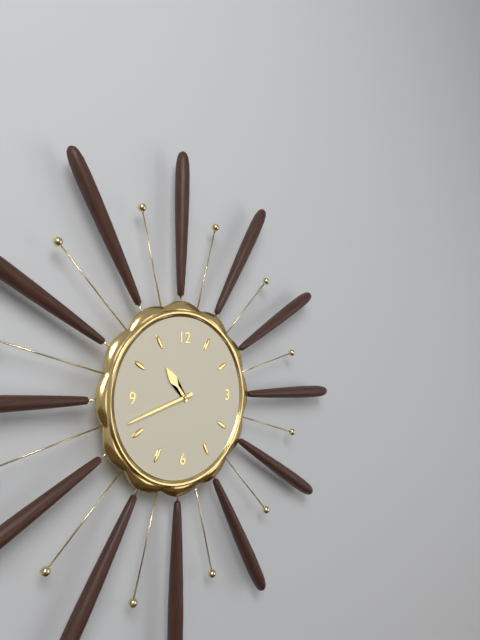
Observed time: 10:42
